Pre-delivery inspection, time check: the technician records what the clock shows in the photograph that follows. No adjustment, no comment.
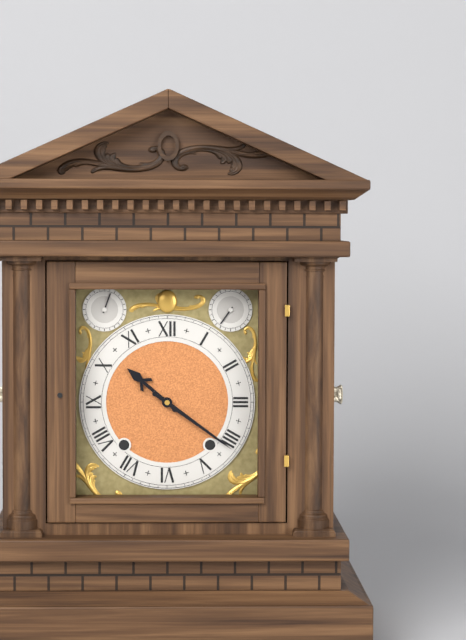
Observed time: 10:21
